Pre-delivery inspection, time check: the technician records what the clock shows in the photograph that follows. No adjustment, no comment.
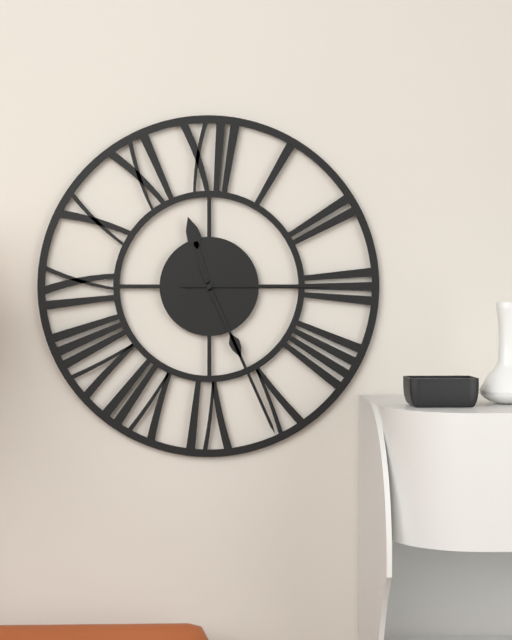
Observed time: 11:26:15
